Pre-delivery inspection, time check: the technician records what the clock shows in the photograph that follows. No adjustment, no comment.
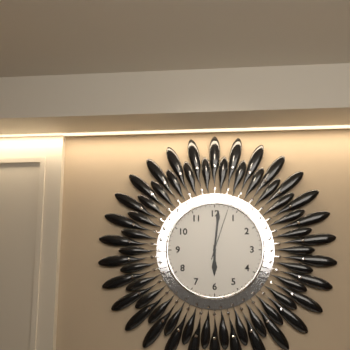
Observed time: 6:01:03
